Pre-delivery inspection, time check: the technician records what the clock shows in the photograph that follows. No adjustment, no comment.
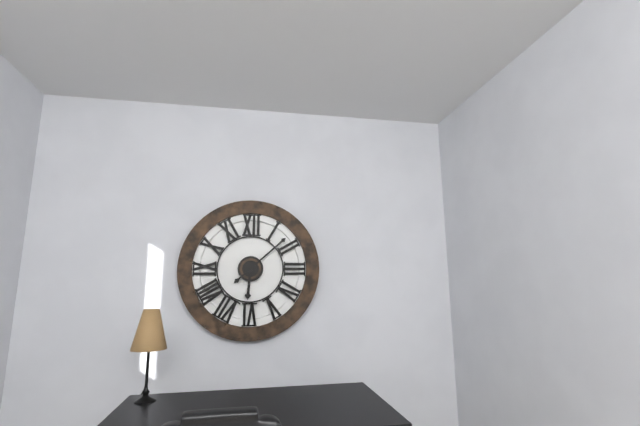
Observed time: 6:08
